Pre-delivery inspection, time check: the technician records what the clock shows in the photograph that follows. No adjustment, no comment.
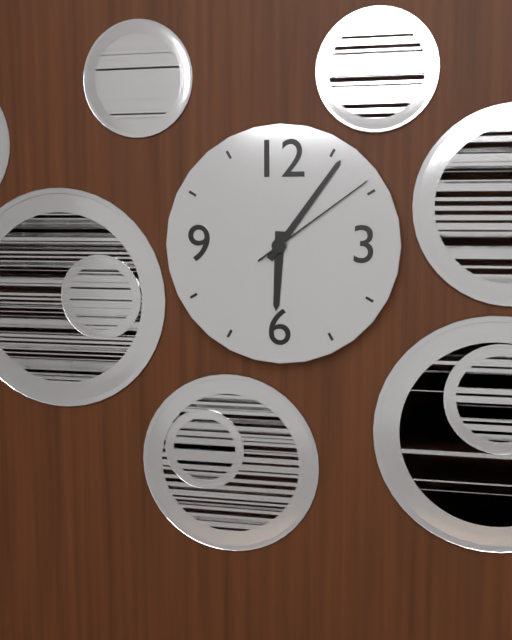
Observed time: 6:06:09
